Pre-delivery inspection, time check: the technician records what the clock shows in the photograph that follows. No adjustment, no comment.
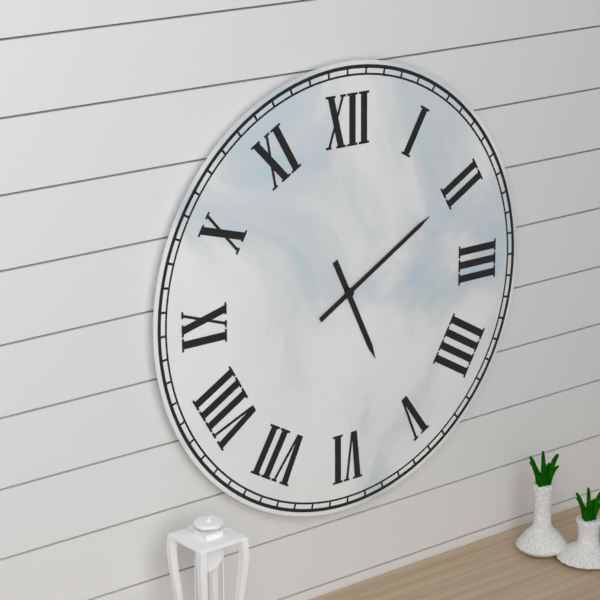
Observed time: 5:10
